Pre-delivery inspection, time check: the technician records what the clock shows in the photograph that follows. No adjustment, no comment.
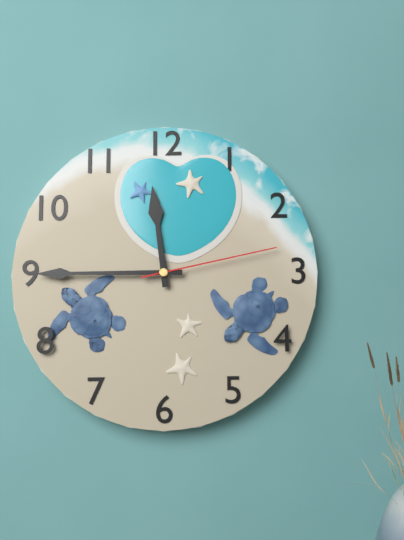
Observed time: 11:45:13
